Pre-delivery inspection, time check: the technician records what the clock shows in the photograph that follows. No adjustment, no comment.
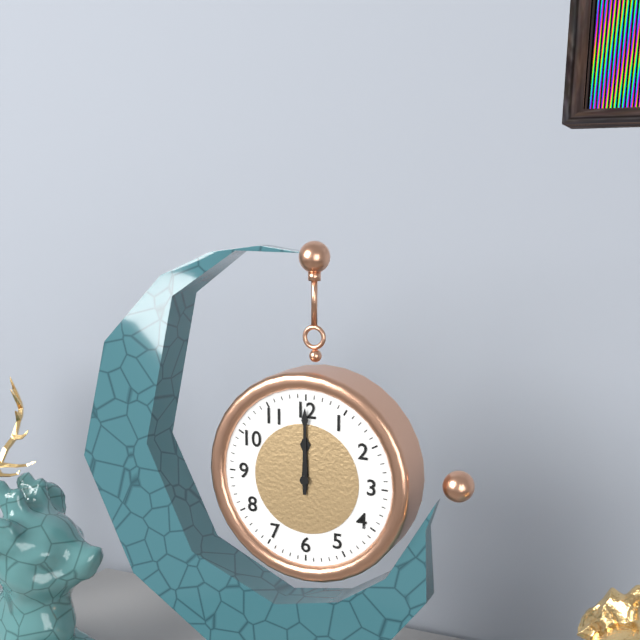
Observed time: 12:00
